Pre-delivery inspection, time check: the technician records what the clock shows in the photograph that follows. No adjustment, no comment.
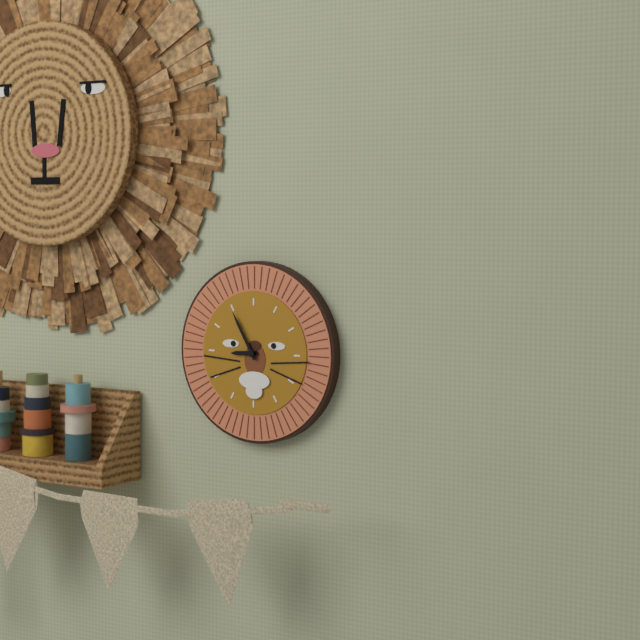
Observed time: 8:55
